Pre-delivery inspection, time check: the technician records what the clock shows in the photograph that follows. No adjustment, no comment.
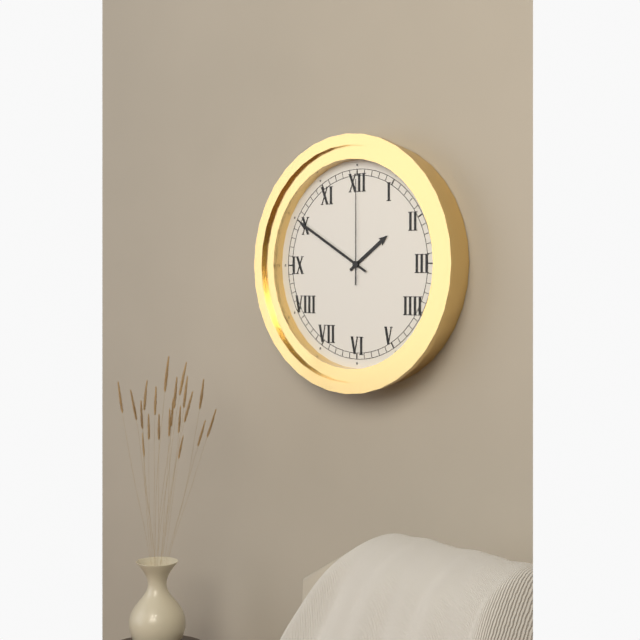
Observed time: 1:50:00
